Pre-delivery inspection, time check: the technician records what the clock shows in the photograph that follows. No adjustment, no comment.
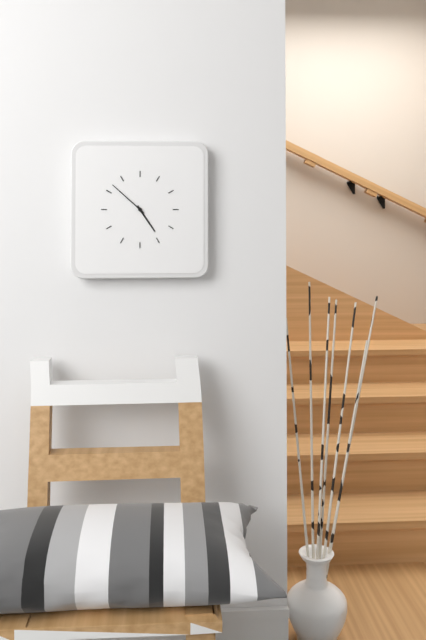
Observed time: 4:52
